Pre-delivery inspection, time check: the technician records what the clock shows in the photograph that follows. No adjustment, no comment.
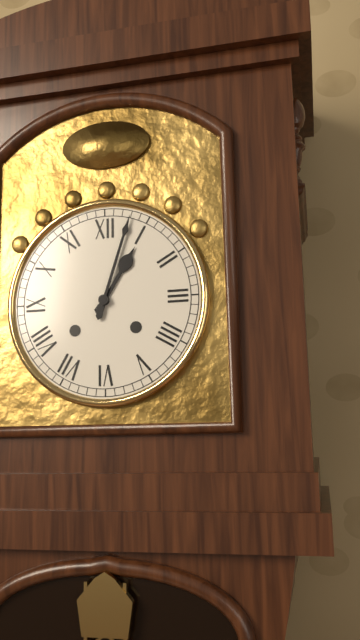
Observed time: 1:03
